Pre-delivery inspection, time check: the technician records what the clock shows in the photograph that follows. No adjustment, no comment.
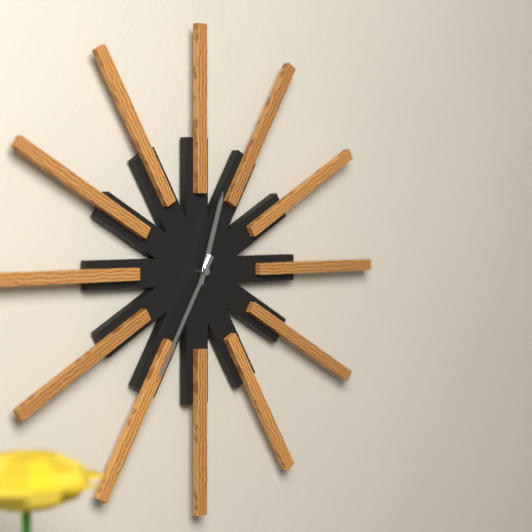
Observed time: 12:35
